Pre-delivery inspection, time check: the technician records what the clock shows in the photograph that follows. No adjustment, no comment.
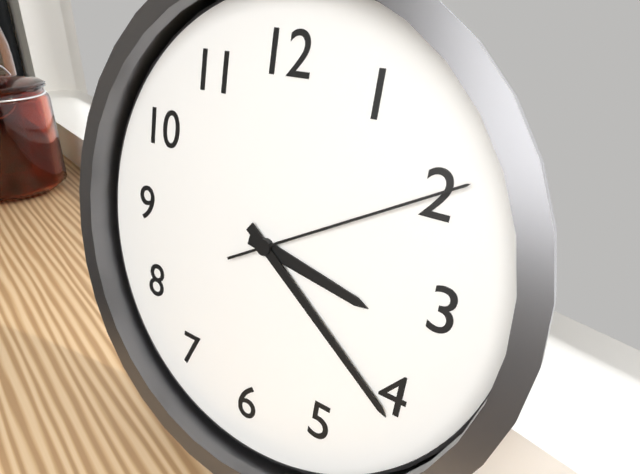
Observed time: 3:21:10
